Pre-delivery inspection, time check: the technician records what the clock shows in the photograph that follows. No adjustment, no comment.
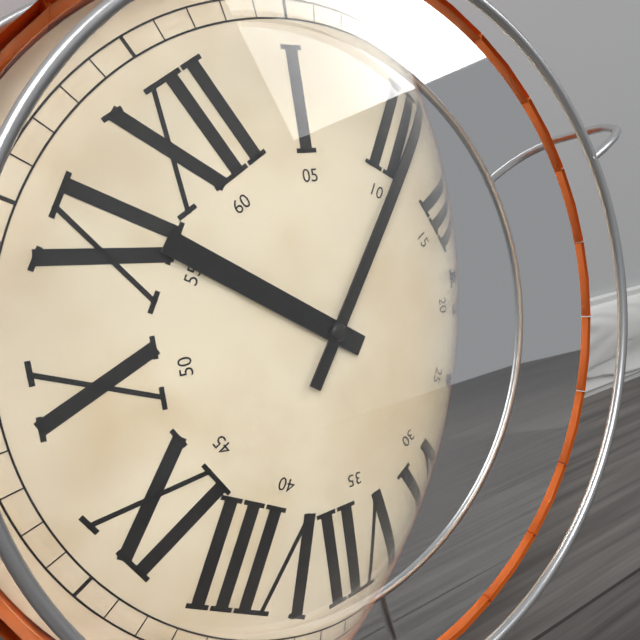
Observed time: 11:11
